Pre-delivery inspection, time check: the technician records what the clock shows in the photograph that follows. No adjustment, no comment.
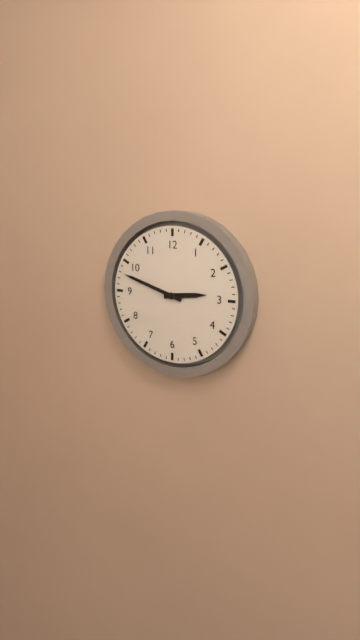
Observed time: 2:48
